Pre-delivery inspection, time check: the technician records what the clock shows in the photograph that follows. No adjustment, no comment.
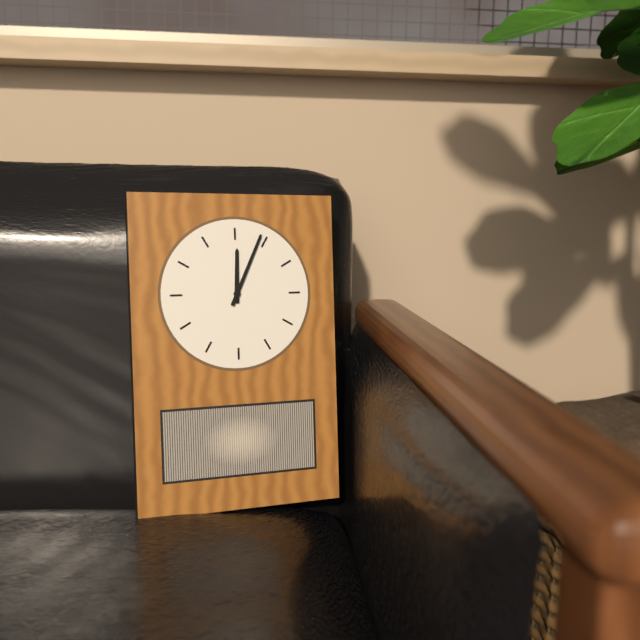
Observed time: 12:04
